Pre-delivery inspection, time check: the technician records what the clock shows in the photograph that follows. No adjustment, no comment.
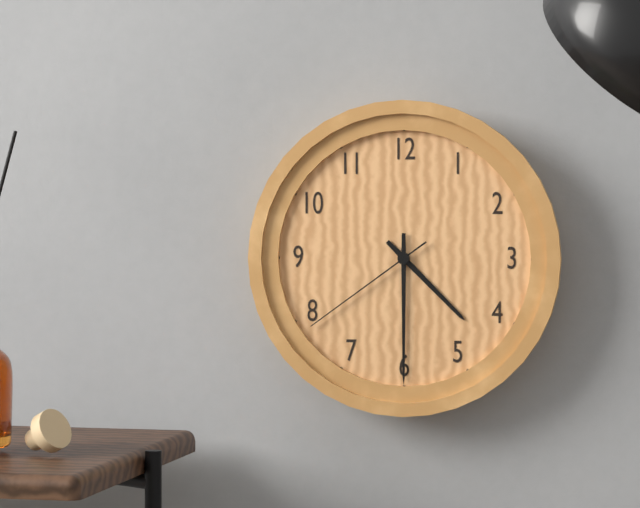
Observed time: 4:30:39
